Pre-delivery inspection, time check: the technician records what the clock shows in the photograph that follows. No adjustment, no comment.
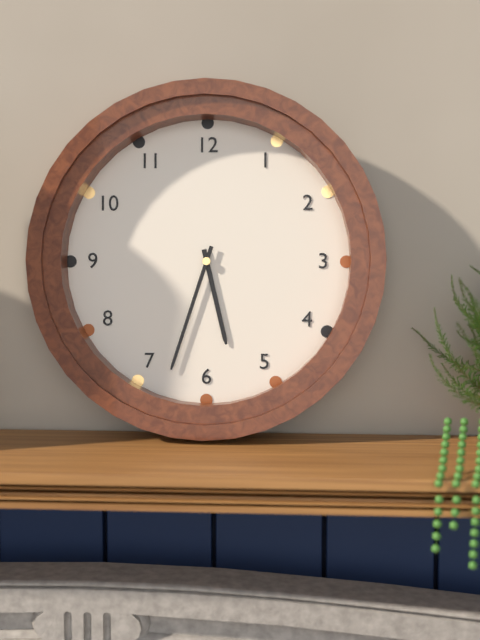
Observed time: 5:33
